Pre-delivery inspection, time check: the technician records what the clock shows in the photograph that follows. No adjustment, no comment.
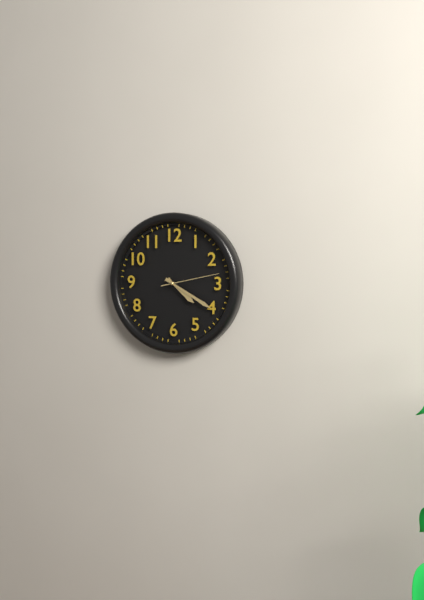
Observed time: 4:20:13
